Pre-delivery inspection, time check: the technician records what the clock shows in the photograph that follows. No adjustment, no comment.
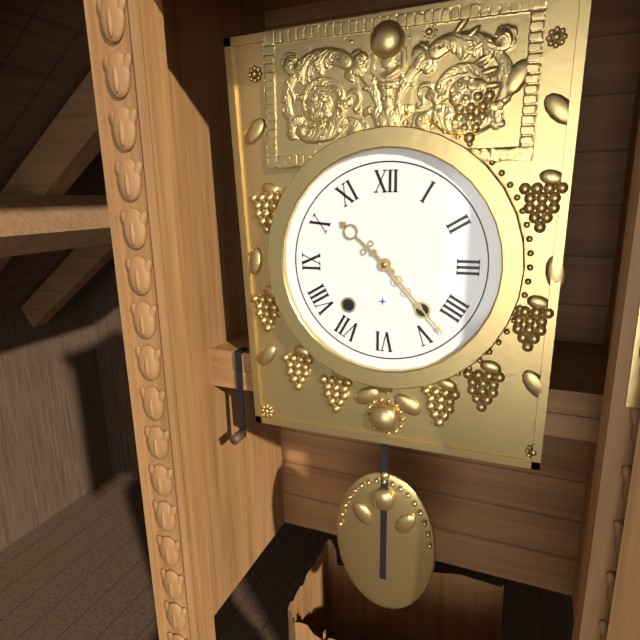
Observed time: 10:23
